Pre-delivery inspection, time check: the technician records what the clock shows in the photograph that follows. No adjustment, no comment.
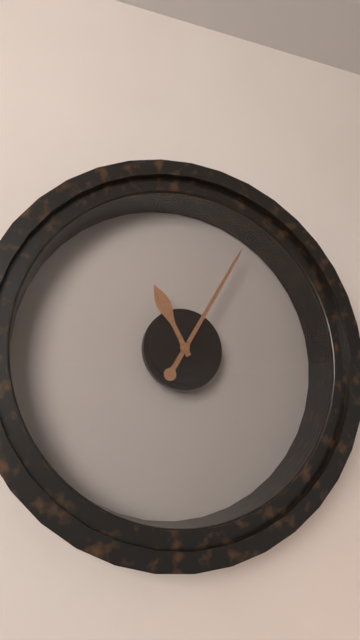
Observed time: 11:05
